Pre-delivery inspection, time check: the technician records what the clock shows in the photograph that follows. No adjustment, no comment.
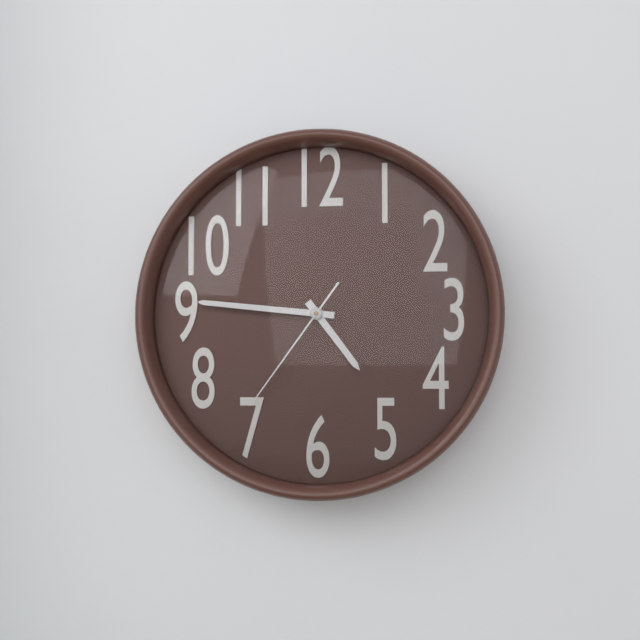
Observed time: 4:46:36
